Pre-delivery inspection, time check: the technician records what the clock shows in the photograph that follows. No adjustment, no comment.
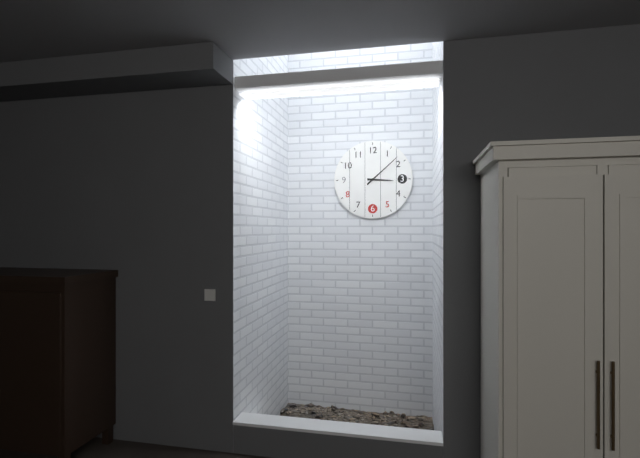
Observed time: 3:08
